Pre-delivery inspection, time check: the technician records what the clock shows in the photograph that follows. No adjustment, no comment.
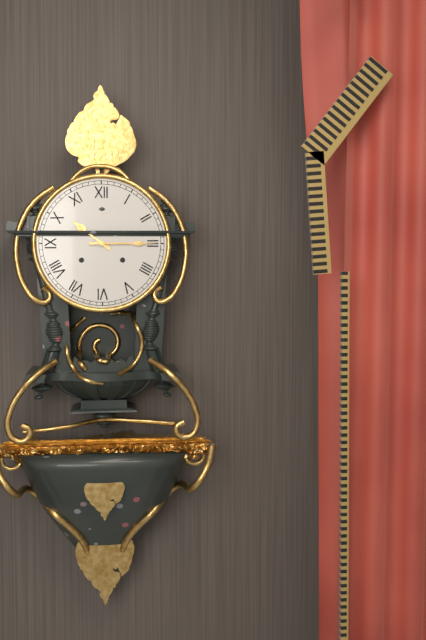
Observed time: 10:15
